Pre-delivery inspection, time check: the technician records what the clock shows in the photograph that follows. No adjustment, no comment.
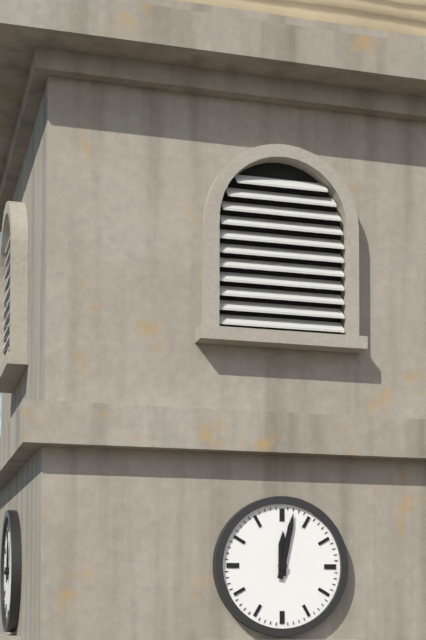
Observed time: 12:02
